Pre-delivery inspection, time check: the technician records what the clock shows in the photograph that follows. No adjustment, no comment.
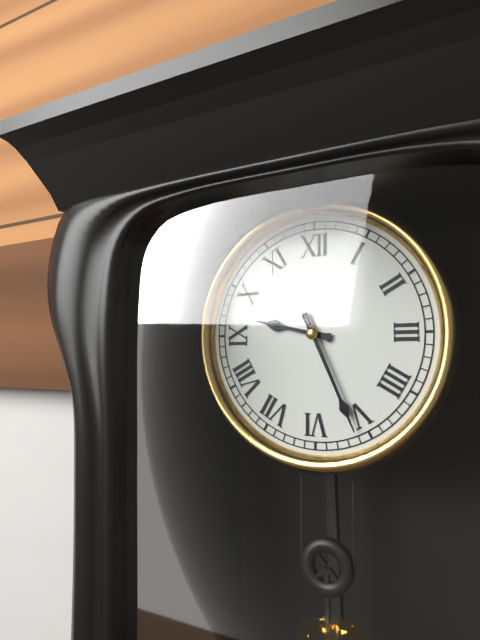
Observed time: 9:26
